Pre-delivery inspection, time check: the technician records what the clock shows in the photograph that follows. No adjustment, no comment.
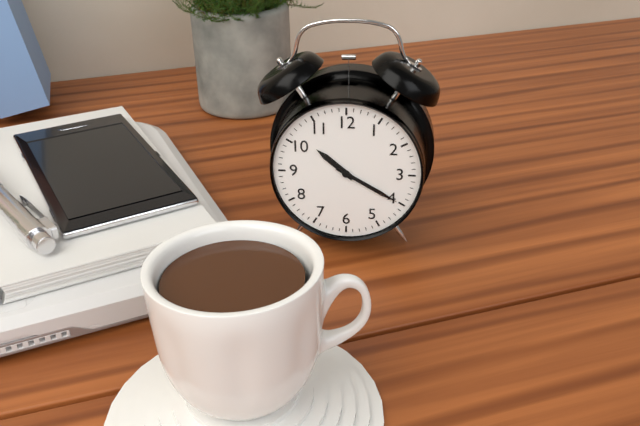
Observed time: 10:20
